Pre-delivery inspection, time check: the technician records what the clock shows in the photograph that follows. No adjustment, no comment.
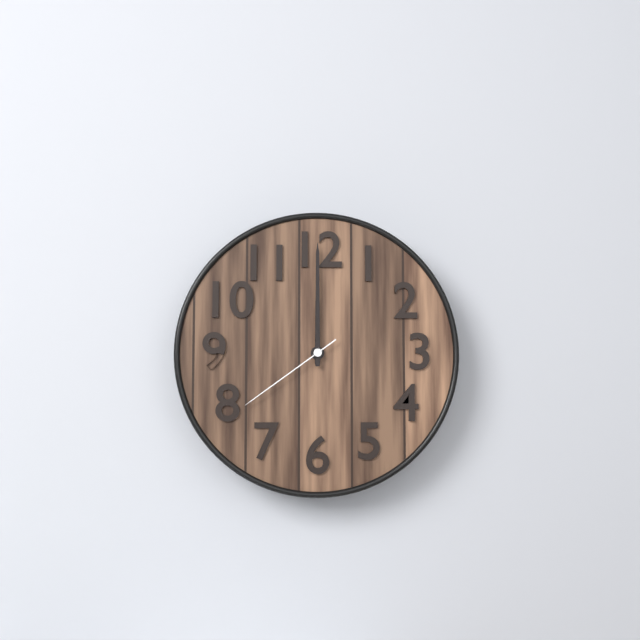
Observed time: 12:00:39
